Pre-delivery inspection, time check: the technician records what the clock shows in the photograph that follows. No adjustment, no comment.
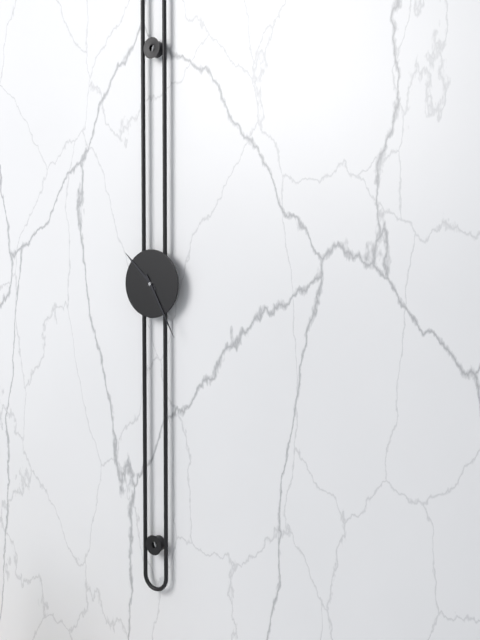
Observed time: 10:25
